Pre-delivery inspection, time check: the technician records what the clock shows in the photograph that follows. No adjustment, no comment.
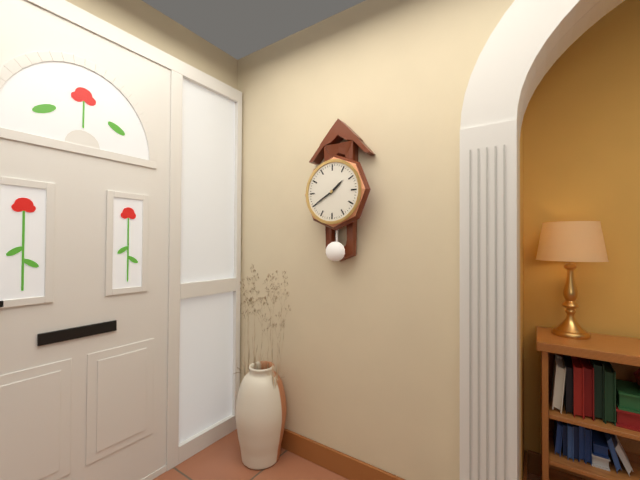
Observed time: 1:40
